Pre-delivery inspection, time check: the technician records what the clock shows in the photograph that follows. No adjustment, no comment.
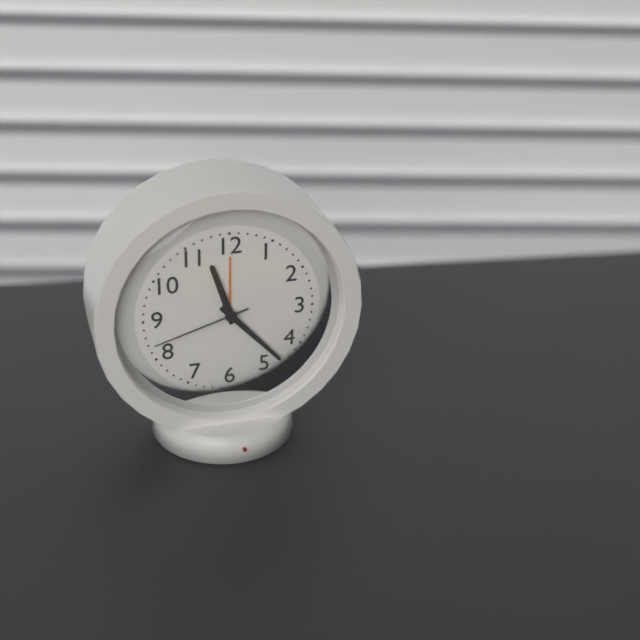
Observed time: 11:23:42
